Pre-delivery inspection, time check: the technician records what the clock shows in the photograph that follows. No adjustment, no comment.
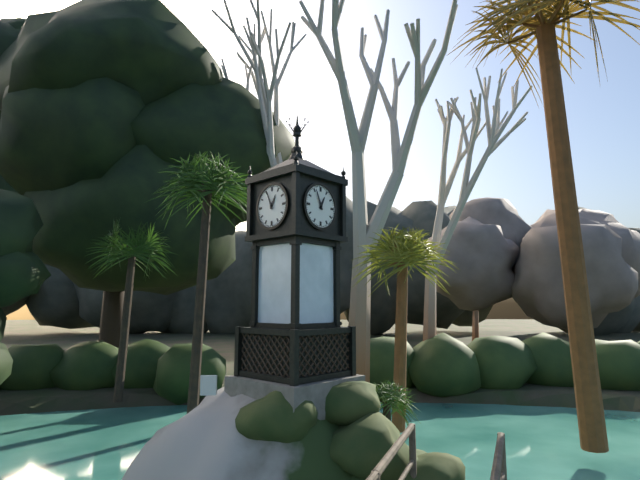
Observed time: 12:56
